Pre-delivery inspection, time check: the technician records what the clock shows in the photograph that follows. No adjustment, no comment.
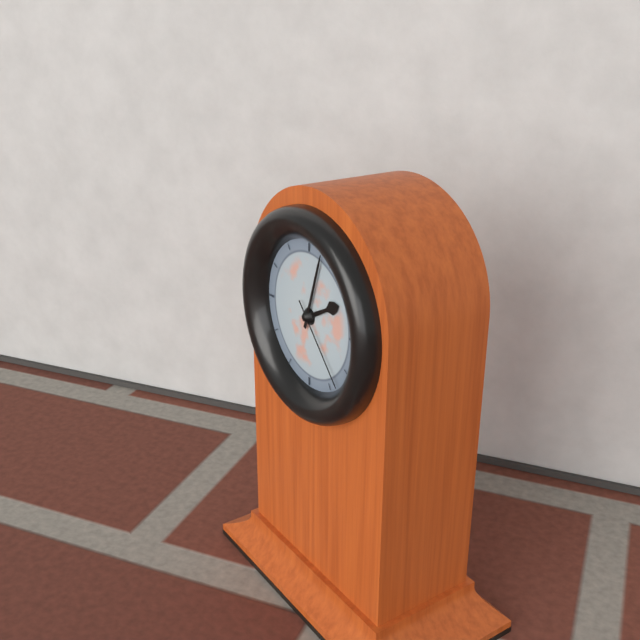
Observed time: 2:03:23
